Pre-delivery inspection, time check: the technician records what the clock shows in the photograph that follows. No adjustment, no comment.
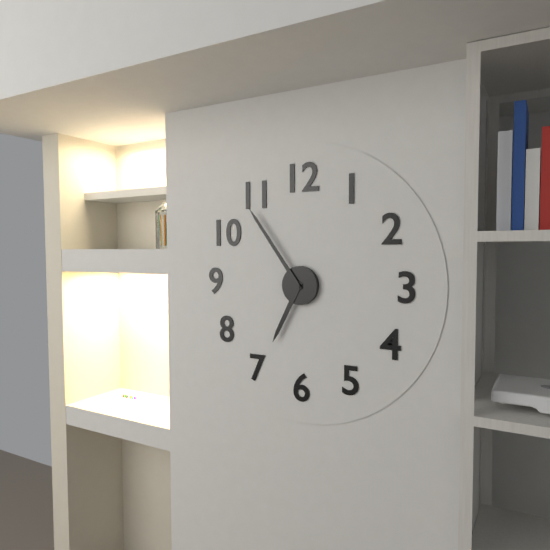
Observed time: 6:54
